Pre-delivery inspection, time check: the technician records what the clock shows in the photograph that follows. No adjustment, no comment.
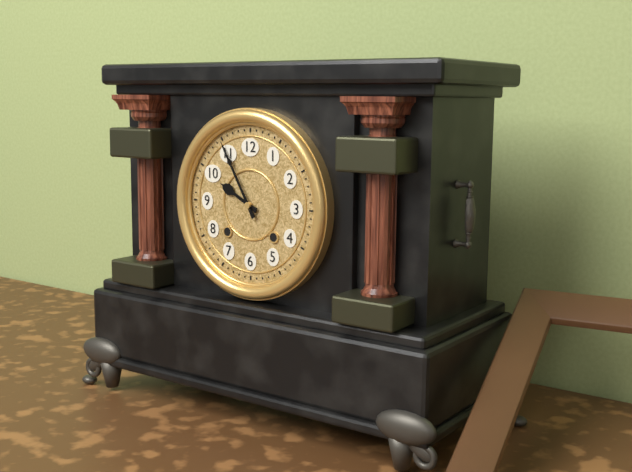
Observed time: 9:55
